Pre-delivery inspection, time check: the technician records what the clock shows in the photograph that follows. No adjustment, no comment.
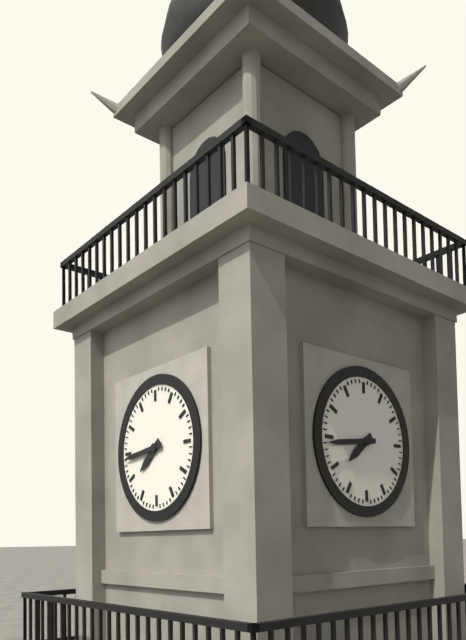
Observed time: 7:44
